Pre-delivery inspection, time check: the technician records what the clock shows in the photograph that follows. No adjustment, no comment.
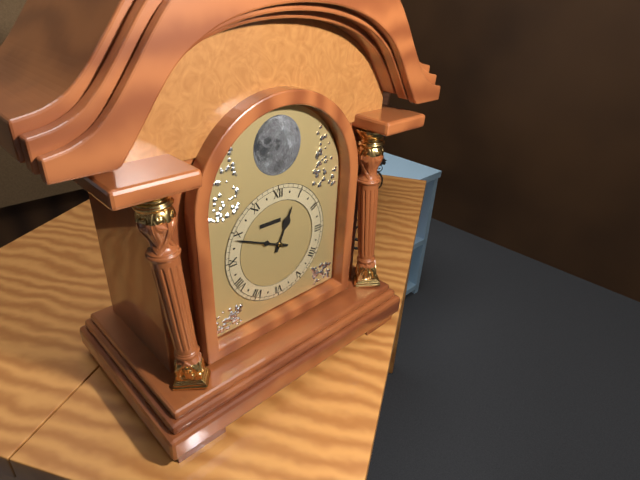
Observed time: 12:49
